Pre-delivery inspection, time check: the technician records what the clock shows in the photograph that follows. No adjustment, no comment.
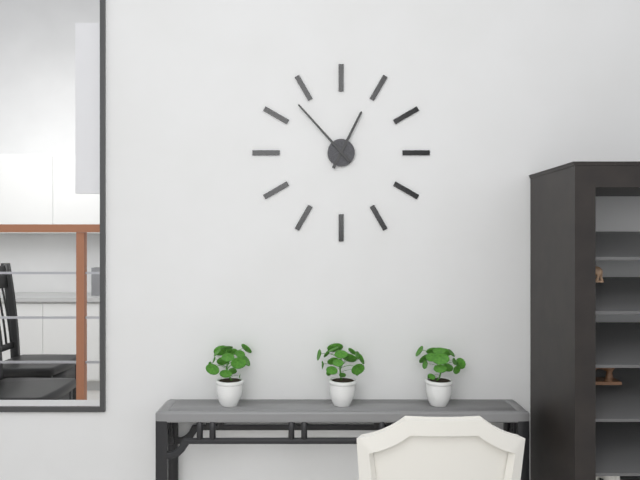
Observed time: 12:53
